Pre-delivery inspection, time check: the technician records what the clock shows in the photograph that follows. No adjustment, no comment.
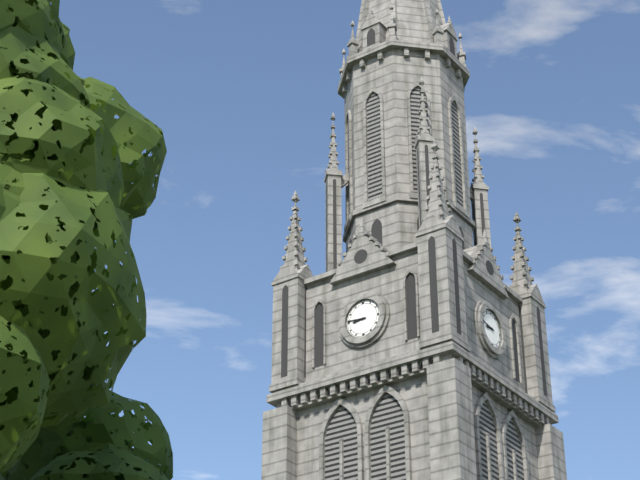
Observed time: 8:46
